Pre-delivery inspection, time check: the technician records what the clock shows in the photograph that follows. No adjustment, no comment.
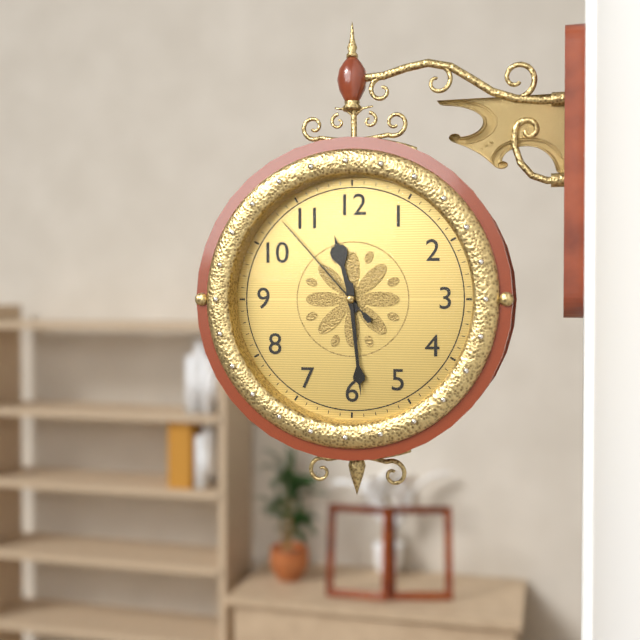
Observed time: 11:29:53
